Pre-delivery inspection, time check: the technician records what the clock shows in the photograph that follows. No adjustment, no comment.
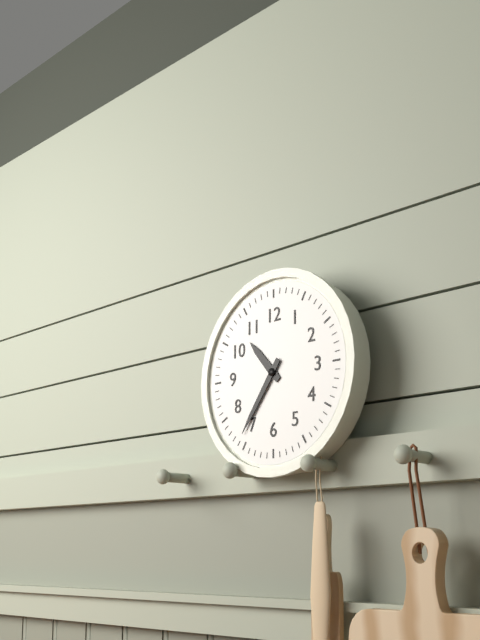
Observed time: 10:36
